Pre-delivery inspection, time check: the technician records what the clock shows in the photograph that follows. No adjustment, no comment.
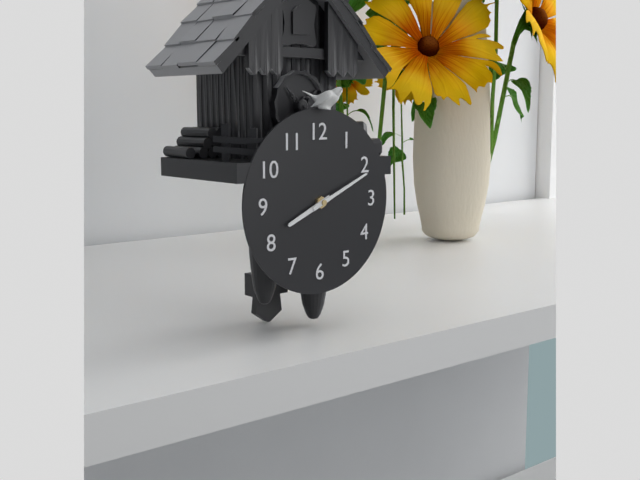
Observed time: 8:11
